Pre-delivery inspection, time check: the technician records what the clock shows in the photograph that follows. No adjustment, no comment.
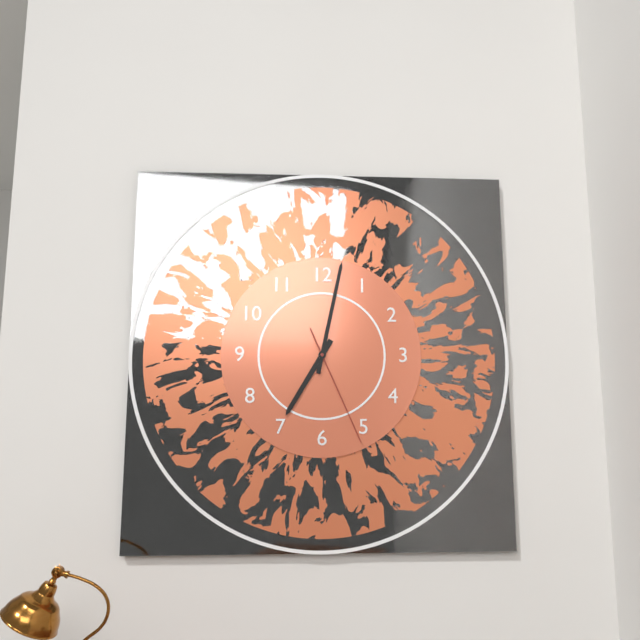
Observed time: 7:02:26
